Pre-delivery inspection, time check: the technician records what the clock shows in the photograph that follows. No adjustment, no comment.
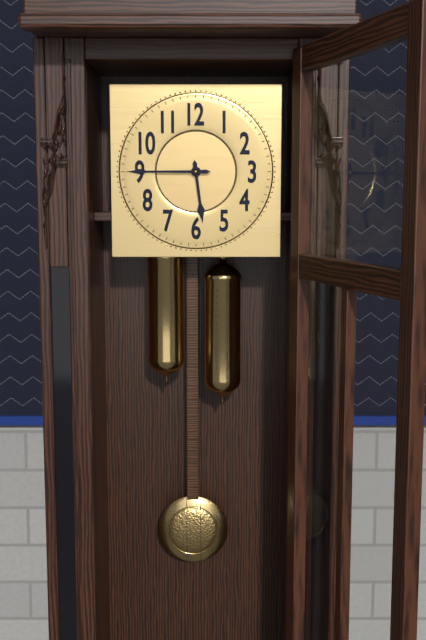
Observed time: 5:45
